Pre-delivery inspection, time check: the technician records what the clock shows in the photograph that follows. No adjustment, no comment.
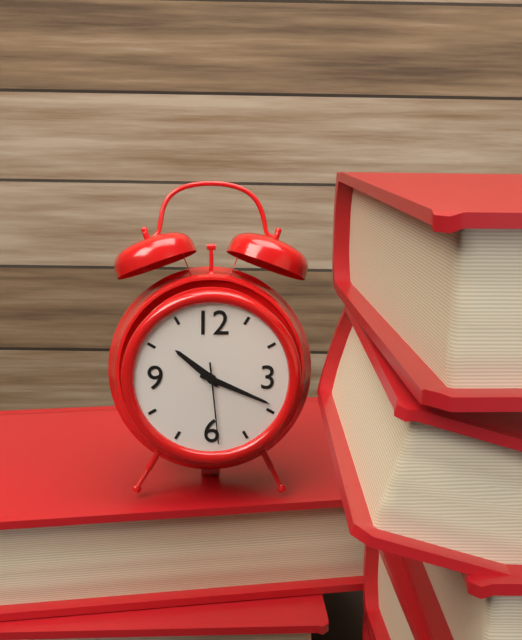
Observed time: 10:19:29
